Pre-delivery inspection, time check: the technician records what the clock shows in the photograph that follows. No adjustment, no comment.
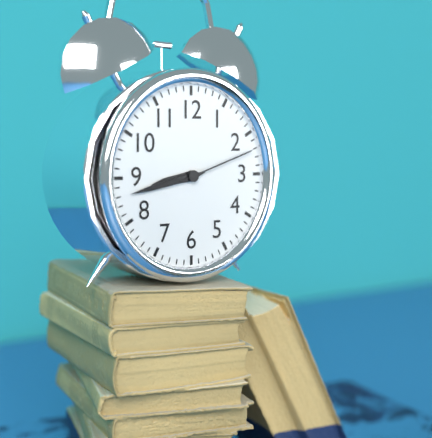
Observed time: 8:43:12
